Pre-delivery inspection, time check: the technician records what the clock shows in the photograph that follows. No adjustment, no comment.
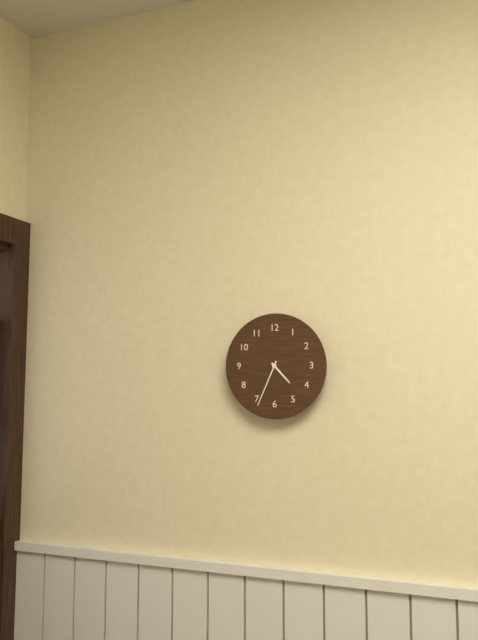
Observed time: 4:34
